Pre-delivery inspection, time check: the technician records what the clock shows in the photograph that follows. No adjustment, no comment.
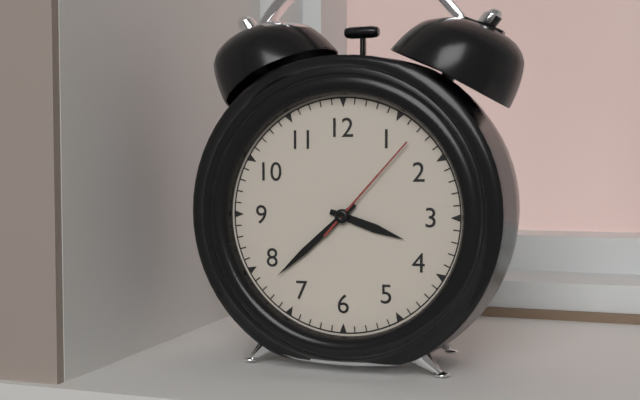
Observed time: 3:38:07
